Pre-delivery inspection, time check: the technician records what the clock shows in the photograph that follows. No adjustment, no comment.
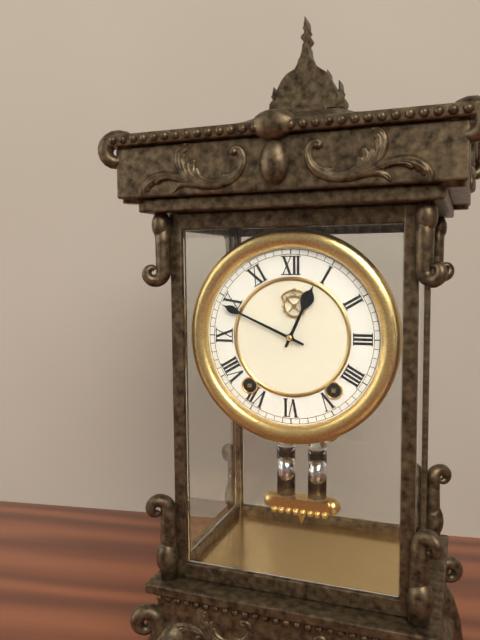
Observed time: 12:49
